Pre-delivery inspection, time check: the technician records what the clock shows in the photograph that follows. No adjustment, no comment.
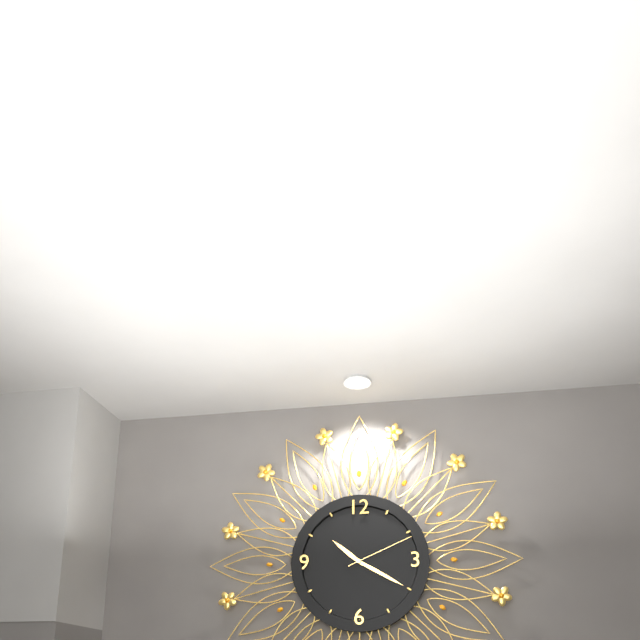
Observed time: 10:20:11
